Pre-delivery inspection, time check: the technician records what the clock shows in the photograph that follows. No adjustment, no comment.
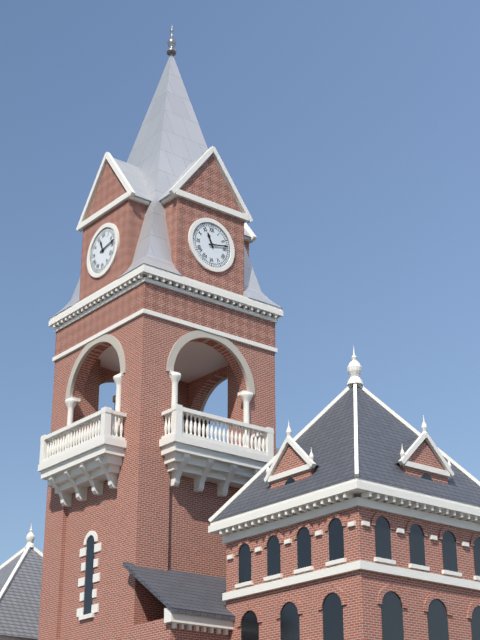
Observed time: 11:13
